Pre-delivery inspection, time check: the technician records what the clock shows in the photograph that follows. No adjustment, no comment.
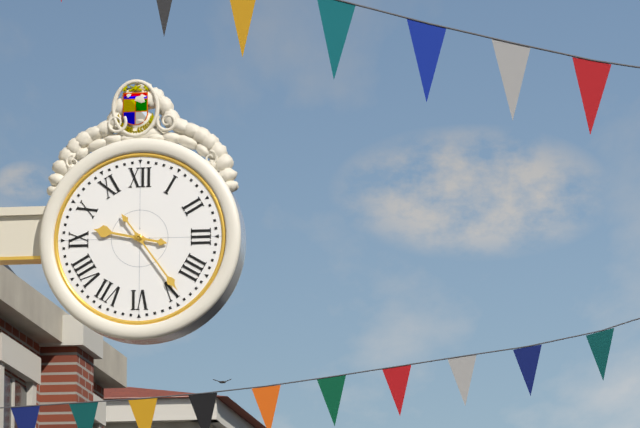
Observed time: 9:24
